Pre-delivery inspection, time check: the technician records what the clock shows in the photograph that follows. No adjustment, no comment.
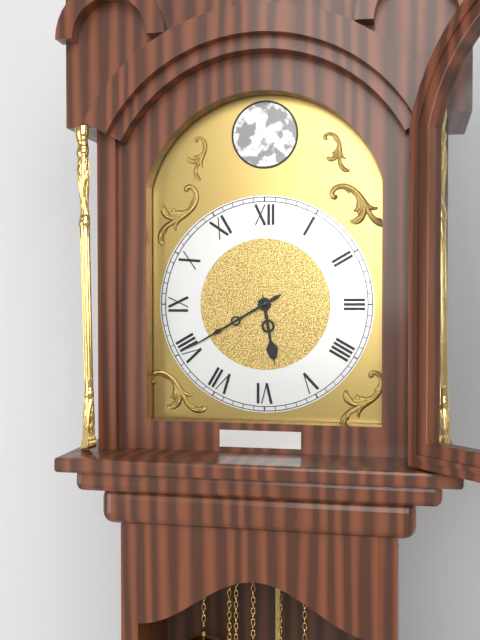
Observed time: 5:40
